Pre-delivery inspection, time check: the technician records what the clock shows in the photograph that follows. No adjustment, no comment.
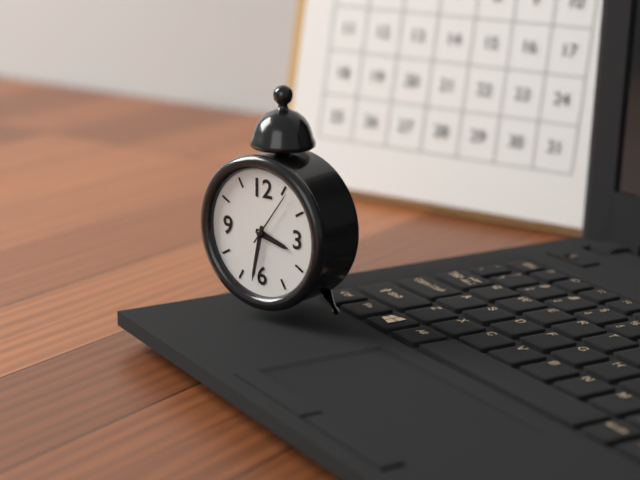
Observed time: 3:32:06
